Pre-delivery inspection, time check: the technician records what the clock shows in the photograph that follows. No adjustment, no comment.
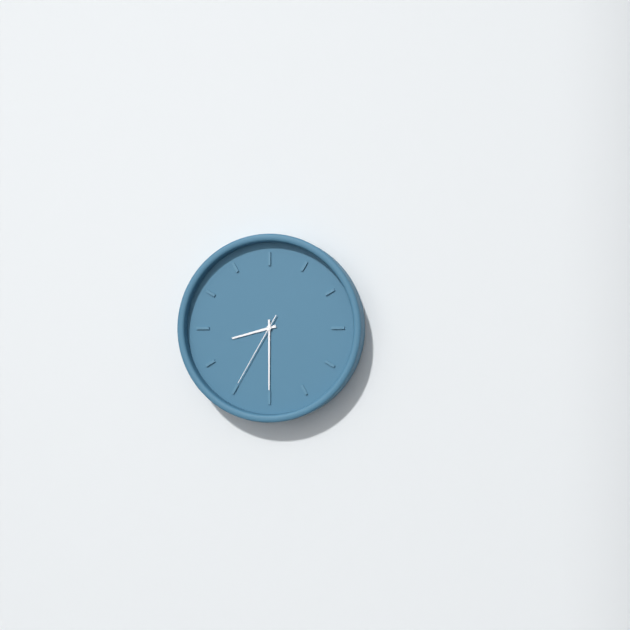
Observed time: 8:30:35
